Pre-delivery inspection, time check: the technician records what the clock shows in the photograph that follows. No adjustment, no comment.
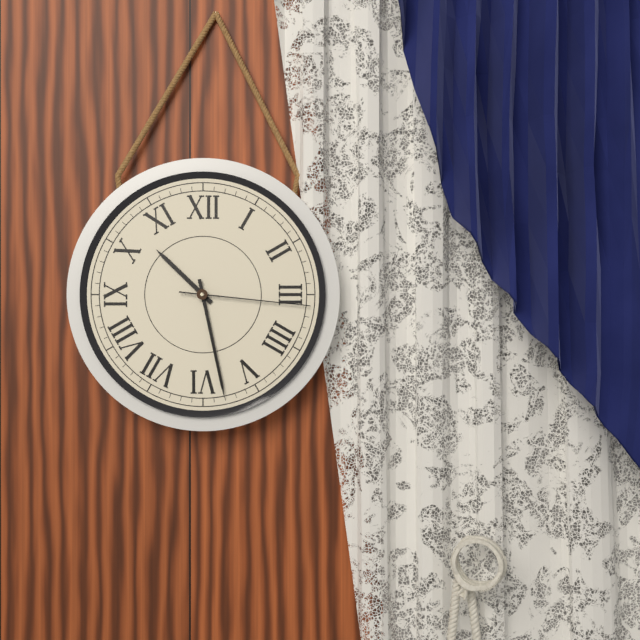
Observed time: 10:28:16
